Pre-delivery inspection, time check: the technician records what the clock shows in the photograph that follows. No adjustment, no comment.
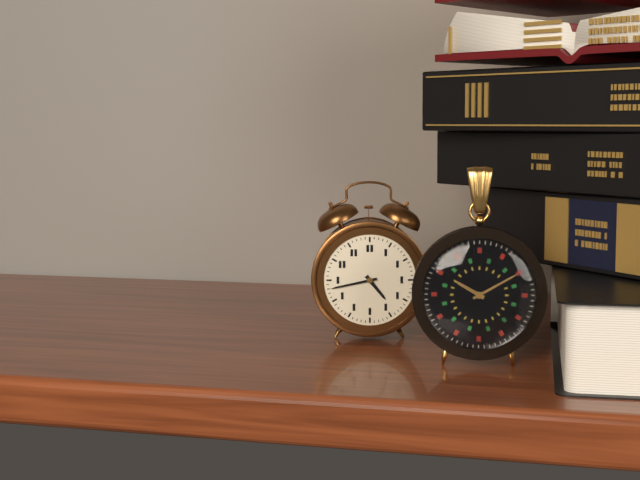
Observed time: 4:43
